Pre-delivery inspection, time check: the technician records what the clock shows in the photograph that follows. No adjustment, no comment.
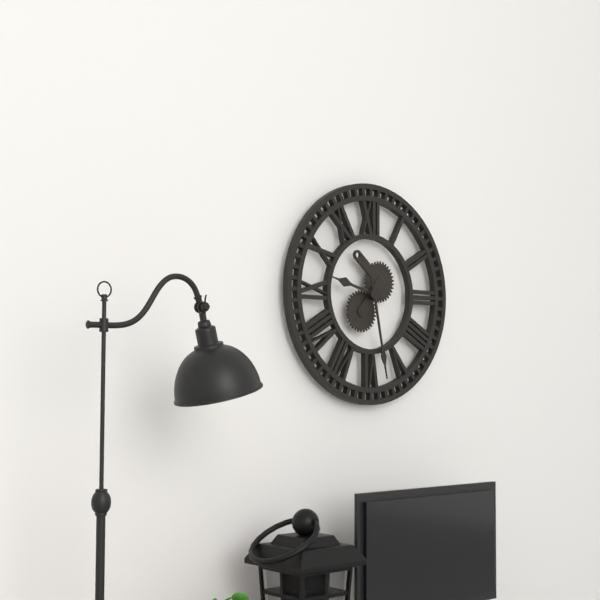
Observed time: 9:28
